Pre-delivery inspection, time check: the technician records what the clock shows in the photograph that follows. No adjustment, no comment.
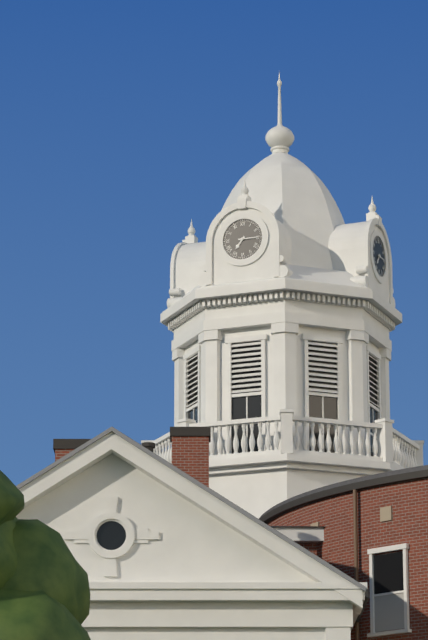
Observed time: 7:15
